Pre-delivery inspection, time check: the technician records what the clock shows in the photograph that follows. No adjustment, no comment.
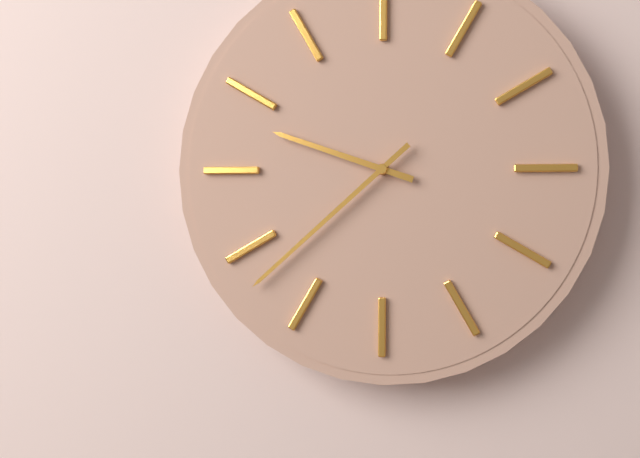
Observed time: 9:38
